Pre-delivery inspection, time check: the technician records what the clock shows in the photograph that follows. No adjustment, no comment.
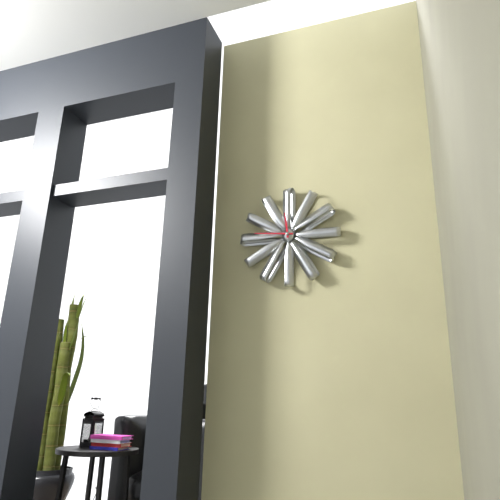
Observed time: 11:46
